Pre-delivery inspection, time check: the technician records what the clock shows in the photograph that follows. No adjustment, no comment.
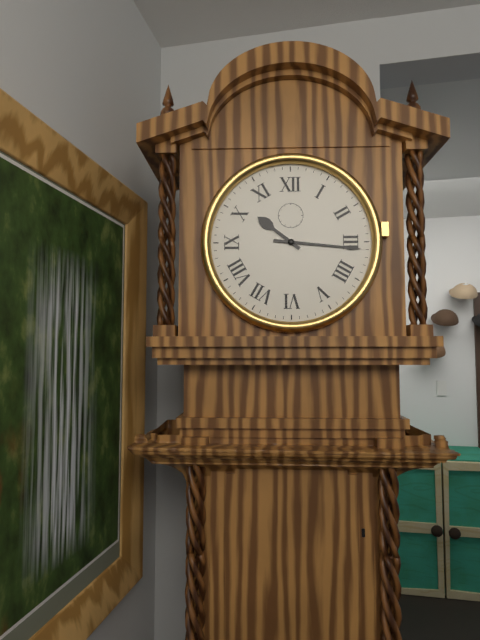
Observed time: 10:16
